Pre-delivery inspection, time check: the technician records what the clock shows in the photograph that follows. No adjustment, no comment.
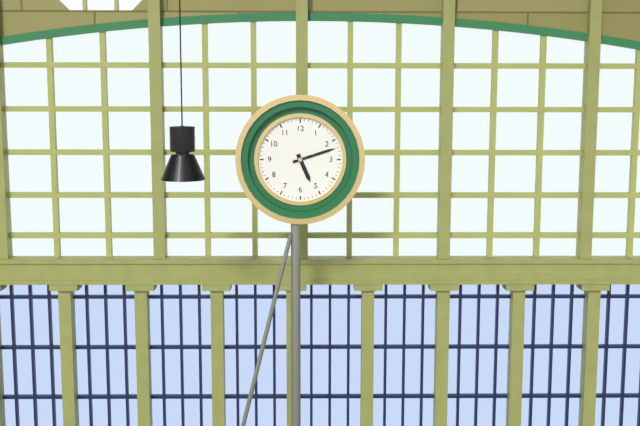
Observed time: 5:12
